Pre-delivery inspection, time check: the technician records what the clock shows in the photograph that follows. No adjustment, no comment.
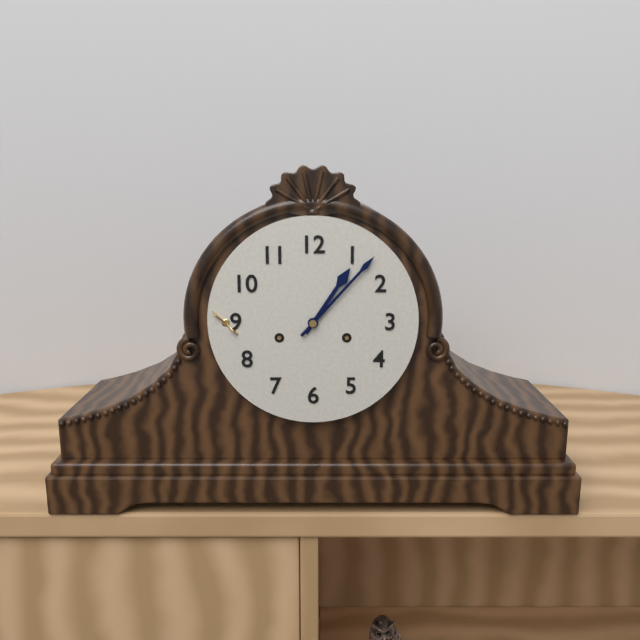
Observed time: 1:07
